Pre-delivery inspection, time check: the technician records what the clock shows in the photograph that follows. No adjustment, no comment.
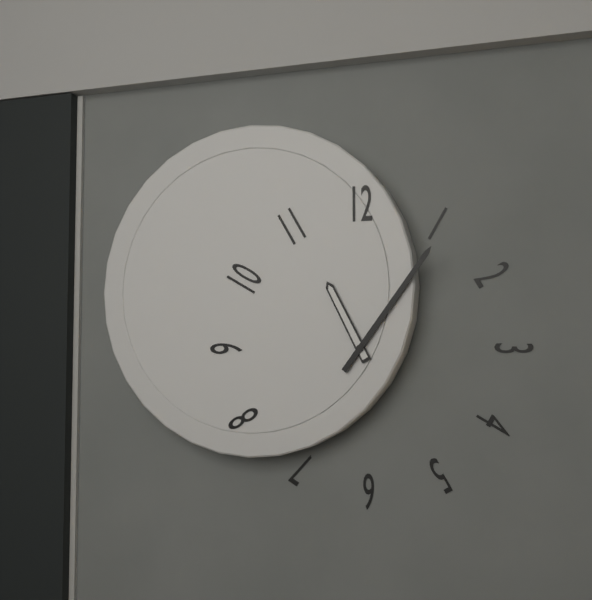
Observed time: 11:06
